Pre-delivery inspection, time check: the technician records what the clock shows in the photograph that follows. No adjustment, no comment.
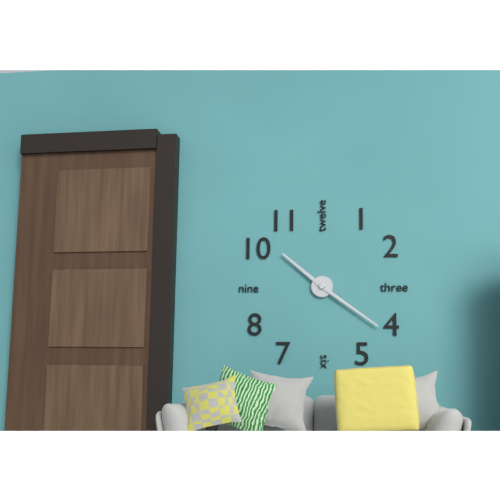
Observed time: 10:21
